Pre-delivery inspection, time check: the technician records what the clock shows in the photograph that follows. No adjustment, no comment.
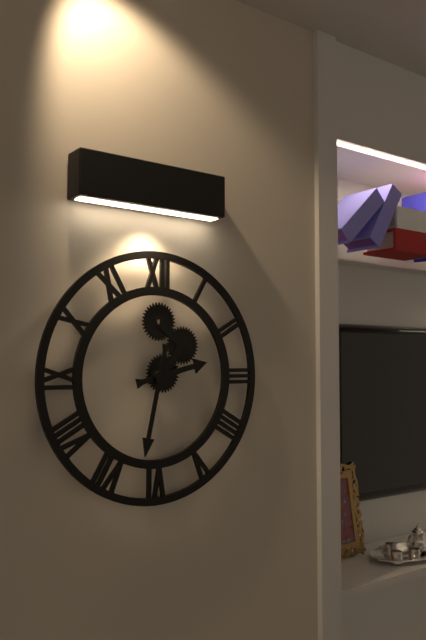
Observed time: 2:32
